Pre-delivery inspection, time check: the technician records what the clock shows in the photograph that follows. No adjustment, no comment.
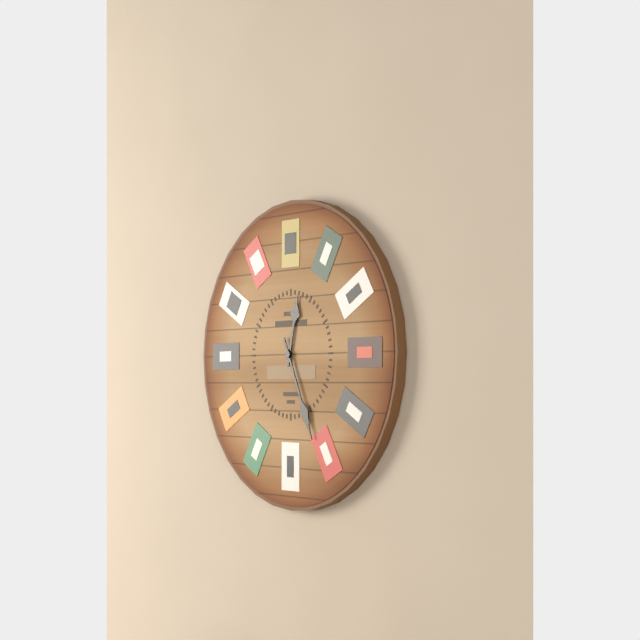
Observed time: 12:26
